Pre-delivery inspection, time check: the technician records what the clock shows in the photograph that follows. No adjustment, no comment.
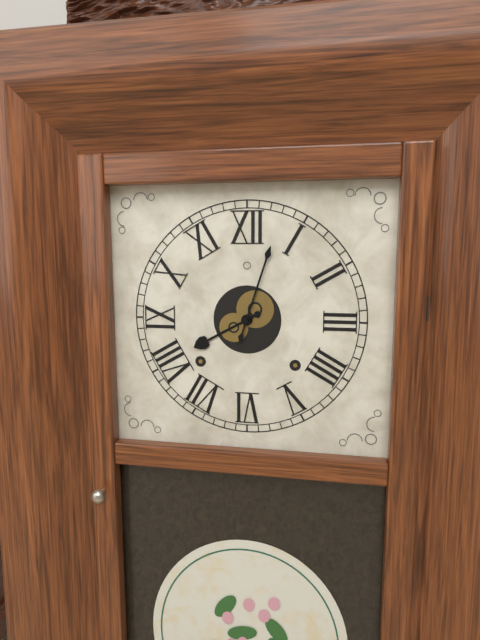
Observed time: 8:03
